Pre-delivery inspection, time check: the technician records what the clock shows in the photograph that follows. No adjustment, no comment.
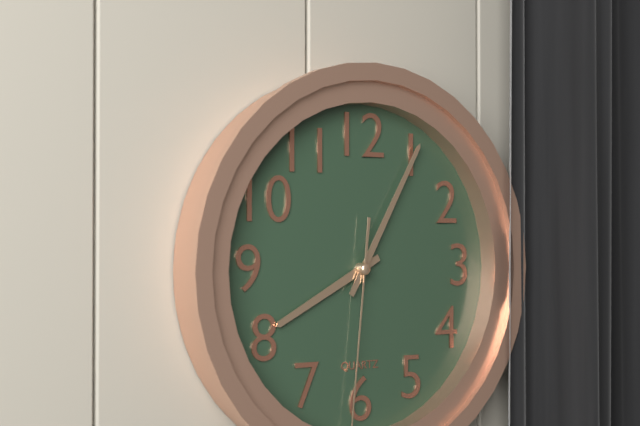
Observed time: 8:05
